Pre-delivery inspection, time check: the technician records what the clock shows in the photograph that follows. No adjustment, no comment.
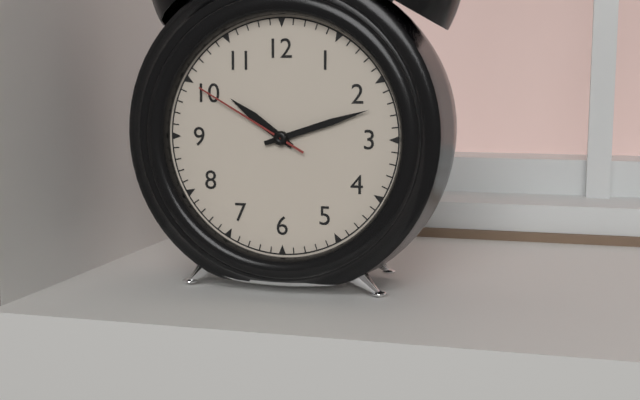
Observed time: 10:12:50
